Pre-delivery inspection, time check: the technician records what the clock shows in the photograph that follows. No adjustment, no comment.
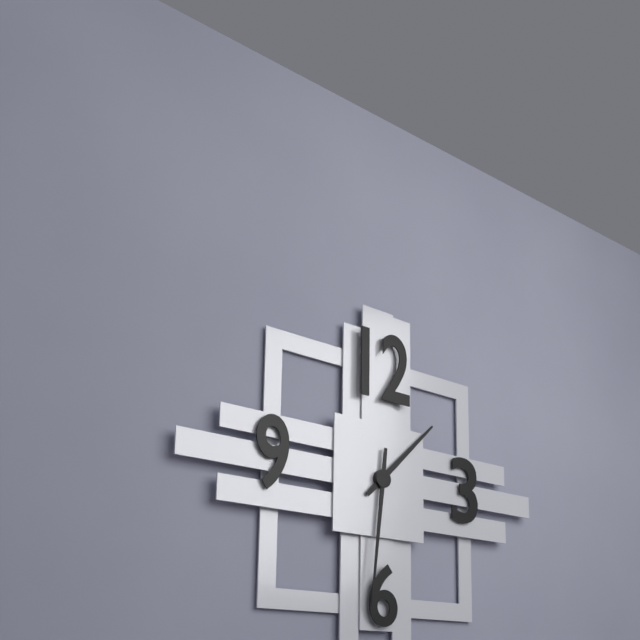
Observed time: 1:31
